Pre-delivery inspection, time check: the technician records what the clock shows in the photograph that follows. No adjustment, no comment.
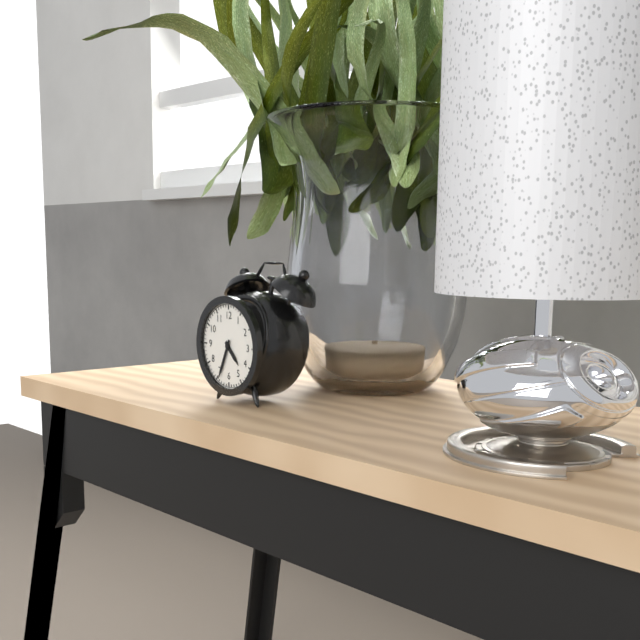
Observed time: 4:34
